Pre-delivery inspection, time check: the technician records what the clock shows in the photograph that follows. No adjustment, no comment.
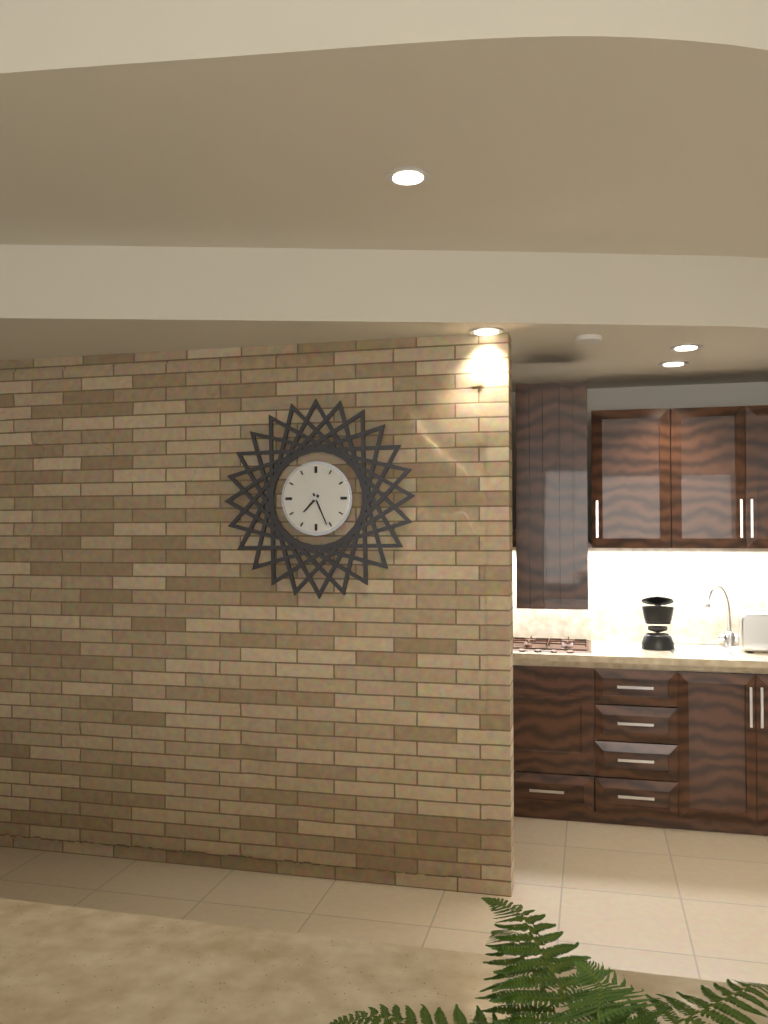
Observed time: 7:26
